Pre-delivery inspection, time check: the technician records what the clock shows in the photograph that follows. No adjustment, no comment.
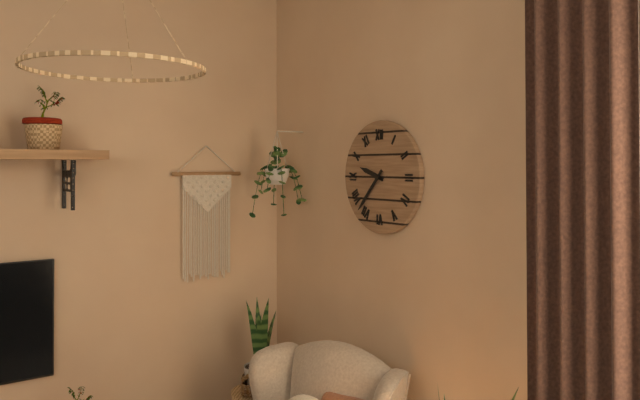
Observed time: 9:37
